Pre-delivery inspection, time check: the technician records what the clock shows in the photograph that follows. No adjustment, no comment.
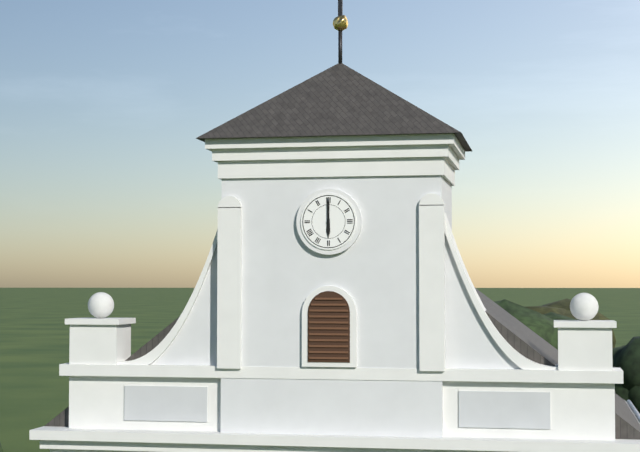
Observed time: 6:00
